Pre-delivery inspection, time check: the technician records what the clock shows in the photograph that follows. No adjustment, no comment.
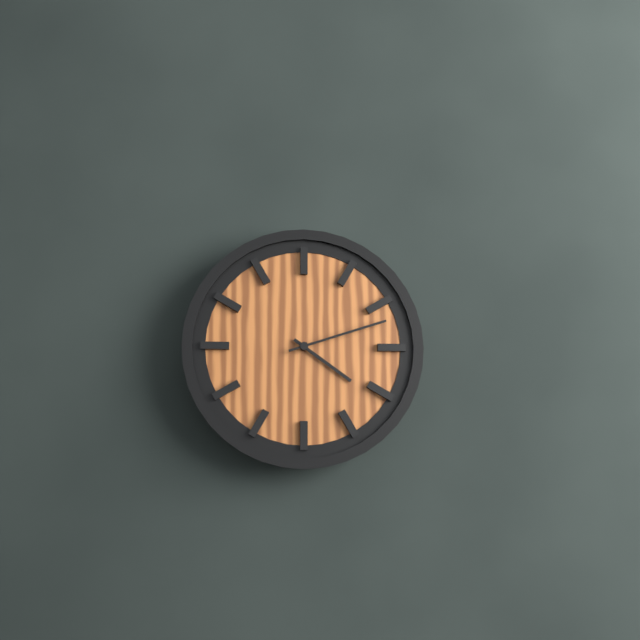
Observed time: 4:12
